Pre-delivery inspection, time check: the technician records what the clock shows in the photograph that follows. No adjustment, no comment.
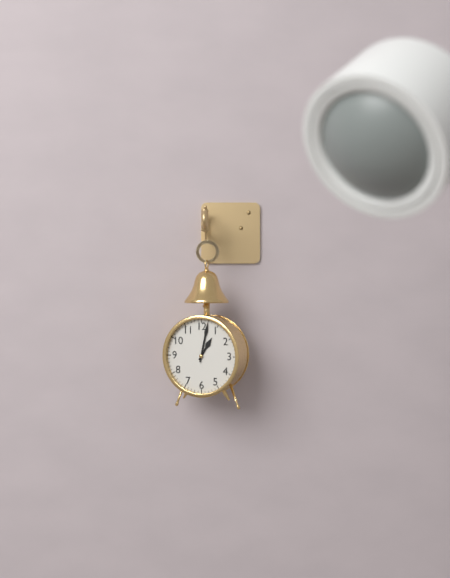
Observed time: 1:02
